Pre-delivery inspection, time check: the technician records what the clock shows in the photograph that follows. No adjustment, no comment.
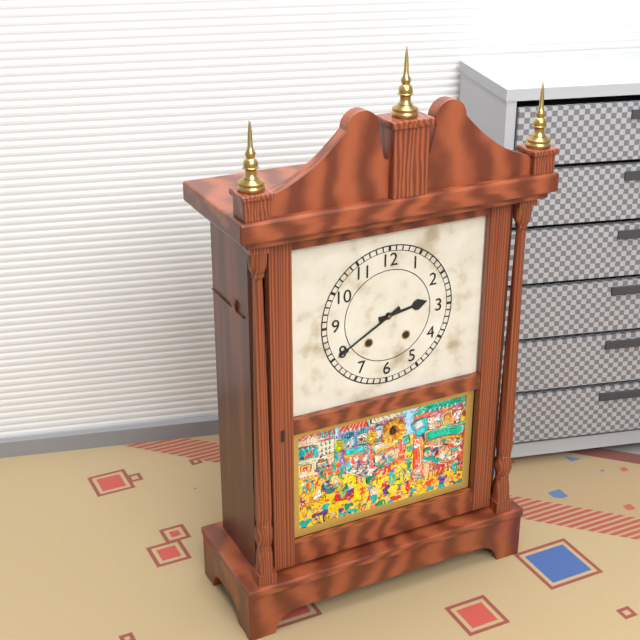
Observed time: 2:40
